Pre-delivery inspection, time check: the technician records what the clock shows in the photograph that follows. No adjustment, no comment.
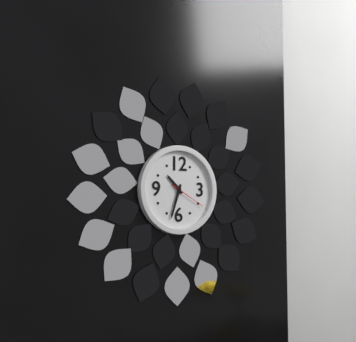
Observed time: 10:33
